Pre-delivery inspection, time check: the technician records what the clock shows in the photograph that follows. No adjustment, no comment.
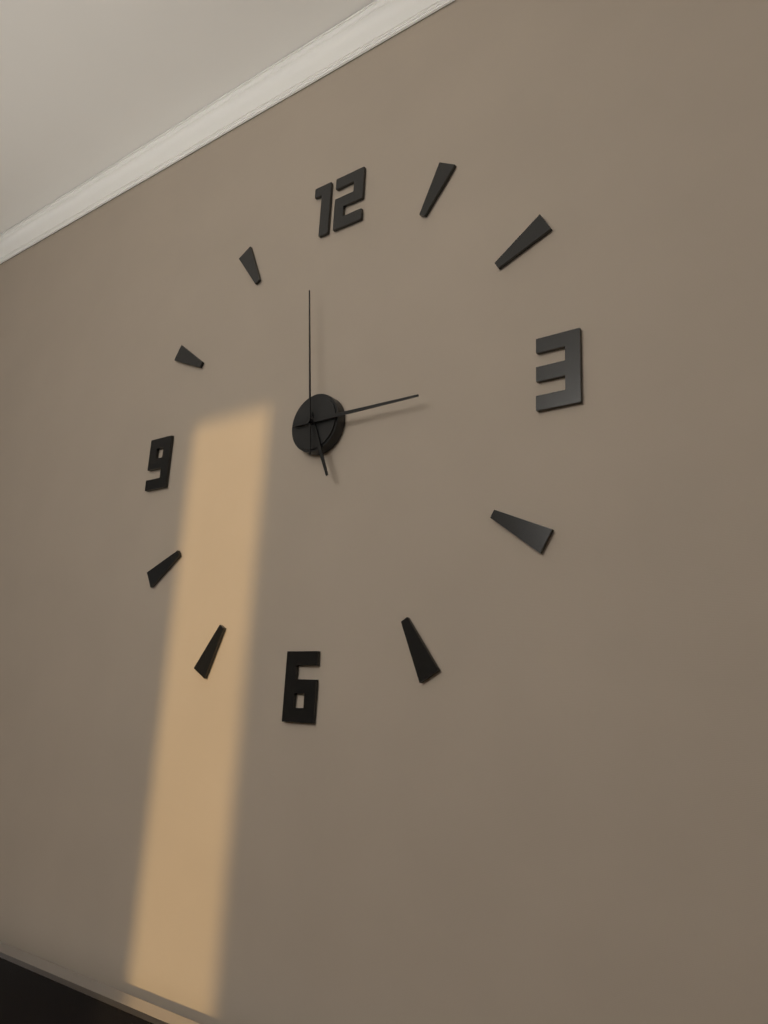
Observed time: 5:15:59
